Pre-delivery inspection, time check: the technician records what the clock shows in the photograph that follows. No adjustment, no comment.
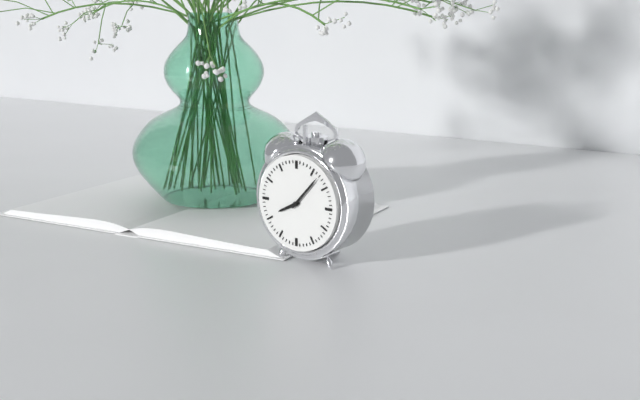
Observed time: 8:07
